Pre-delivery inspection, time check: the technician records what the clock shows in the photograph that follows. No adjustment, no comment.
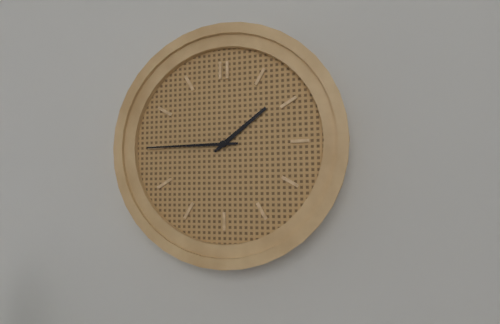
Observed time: 1:45
